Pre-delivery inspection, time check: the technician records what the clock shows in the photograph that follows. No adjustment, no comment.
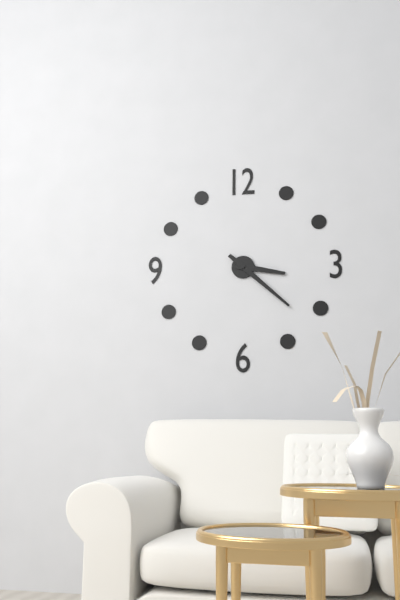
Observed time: 3:22
